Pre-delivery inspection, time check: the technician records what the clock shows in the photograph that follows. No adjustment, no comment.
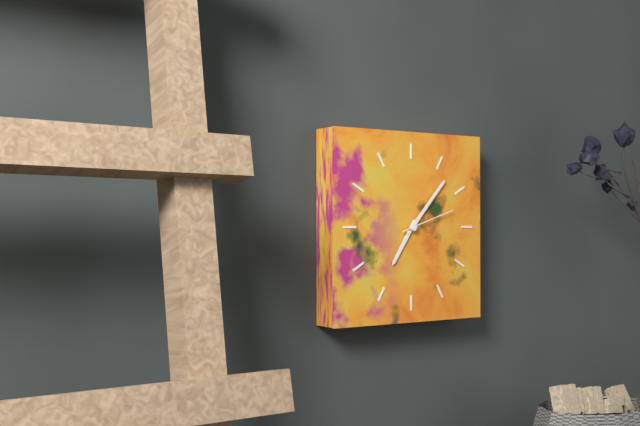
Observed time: 7:07:12
